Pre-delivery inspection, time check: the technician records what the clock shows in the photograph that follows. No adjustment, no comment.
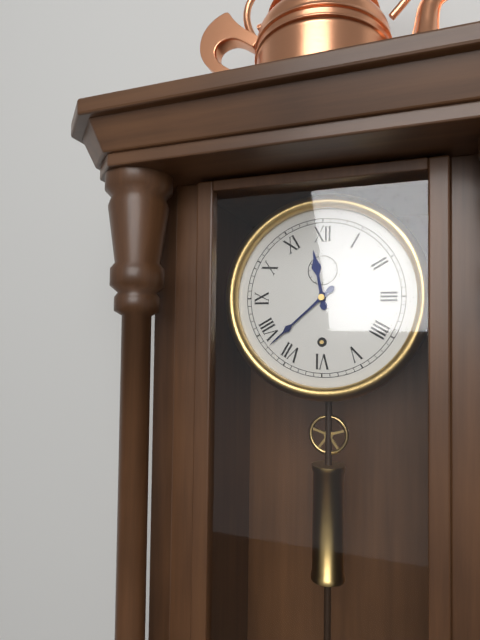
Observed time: 11:38
